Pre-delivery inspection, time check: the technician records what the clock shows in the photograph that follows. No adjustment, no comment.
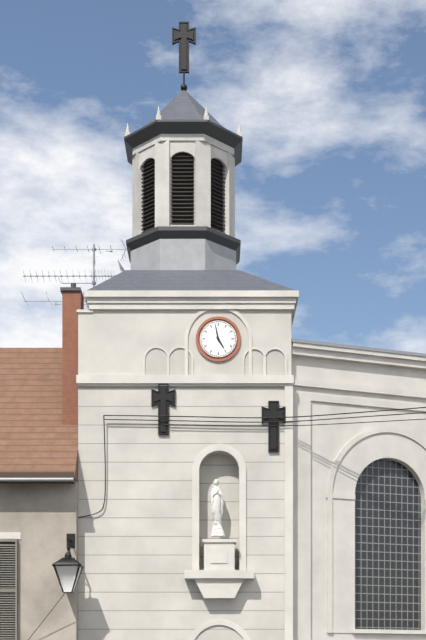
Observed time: 4:58
